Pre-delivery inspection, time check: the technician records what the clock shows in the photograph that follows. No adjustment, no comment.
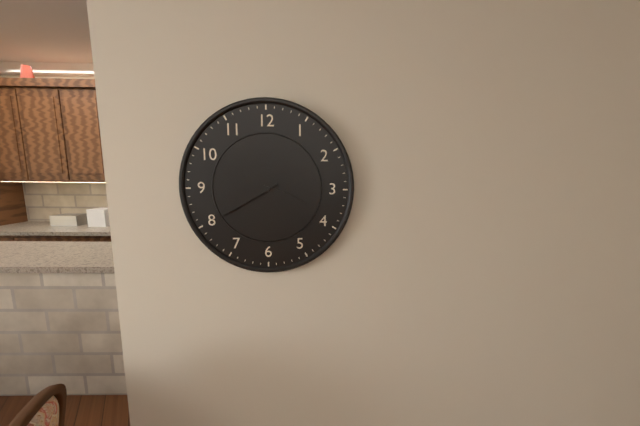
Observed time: 3:40
